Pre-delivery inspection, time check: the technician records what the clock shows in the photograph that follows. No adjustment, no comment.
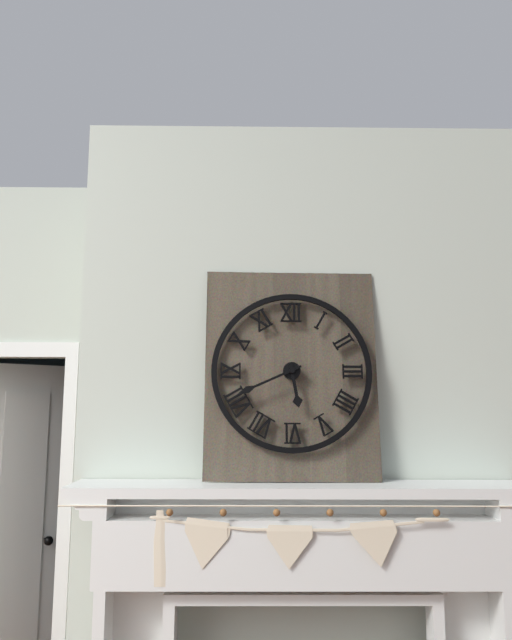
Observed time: 5:41
